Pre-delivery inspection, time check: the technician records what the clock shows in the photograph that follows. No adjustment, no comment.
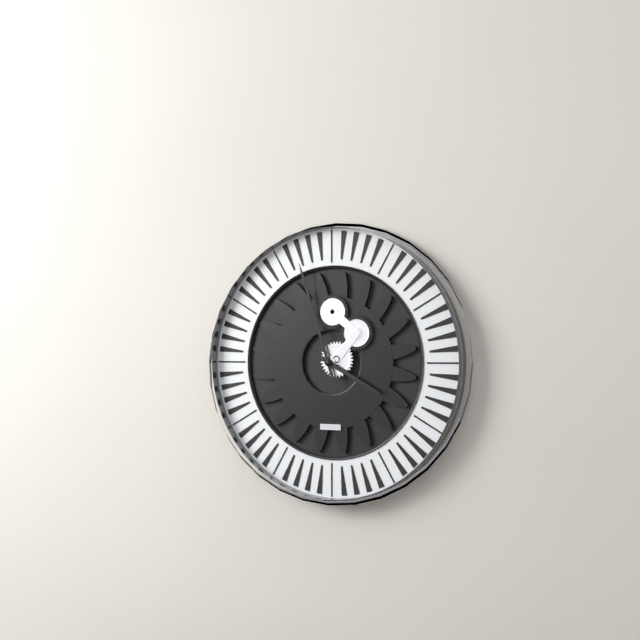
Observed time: 3:57
